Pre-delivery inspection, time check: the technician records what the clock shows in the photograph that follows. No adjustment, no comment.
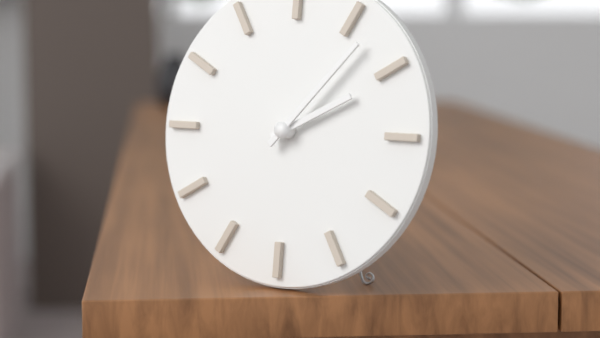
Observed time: 2:07
